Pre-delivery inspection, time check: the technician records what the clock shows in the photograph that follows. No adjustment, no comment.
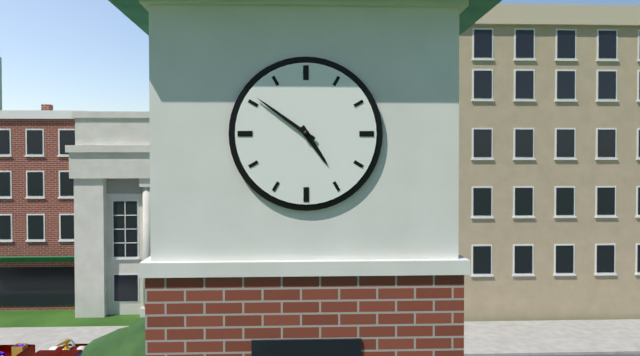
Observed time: 4:51
